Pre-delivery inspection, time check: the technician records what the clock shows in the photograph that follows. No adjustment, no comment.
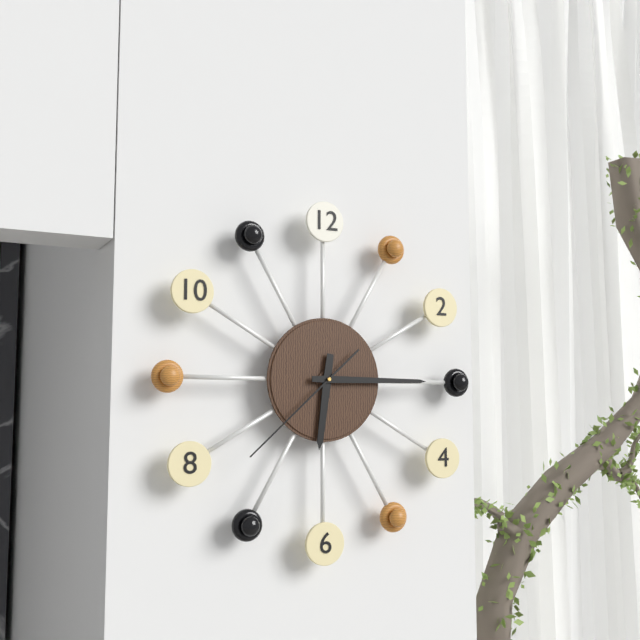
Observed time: 6:15:38
